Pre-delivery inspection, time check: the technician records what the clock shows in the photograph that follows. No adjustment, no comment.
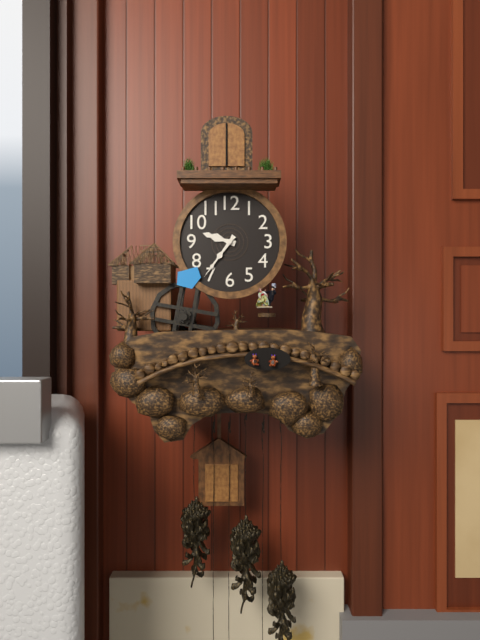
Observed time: 9:36
